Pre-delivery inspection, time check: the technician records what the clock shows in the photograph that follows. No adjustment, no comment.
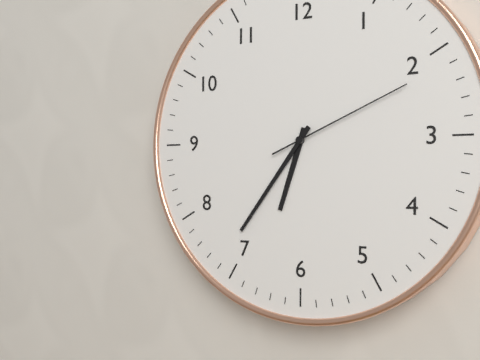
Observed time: 6:36:11
